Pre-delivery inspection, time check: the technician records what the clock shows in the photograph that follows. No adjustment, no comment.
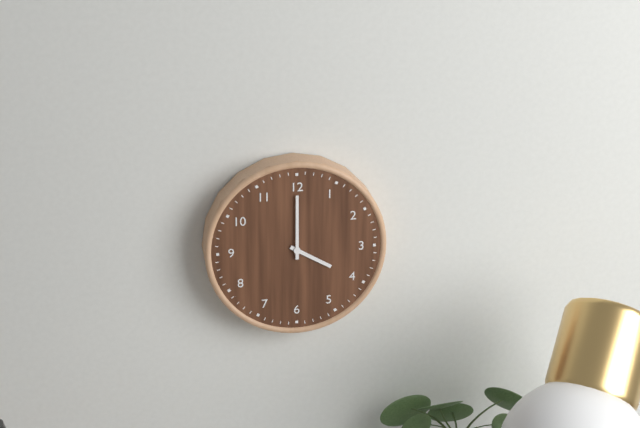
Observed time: 4:00
